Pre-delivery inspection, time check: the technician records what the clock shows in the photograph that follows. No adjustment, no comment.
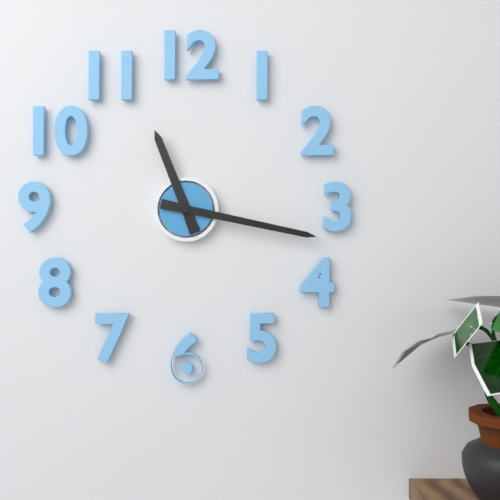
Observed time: 11:17
